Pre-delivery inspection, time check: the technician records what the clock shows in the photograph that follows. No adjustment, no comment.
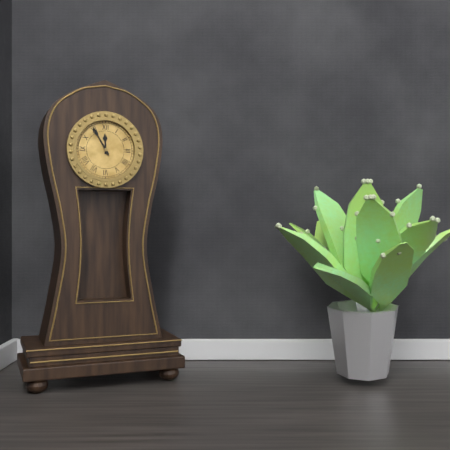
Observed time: 11:55
